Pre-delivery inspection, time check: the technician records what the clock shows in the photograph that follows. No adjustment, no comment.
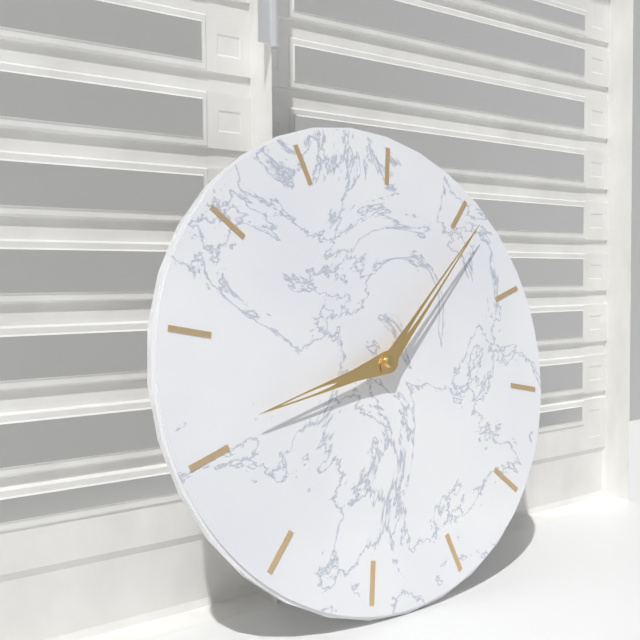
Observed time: 9:11
